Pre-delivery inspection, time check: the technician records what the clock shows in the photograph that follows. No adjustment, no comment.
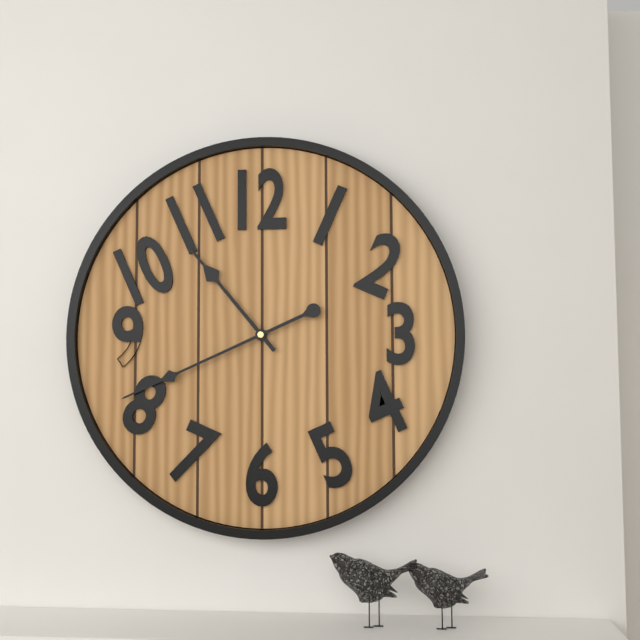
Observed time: 10:41
